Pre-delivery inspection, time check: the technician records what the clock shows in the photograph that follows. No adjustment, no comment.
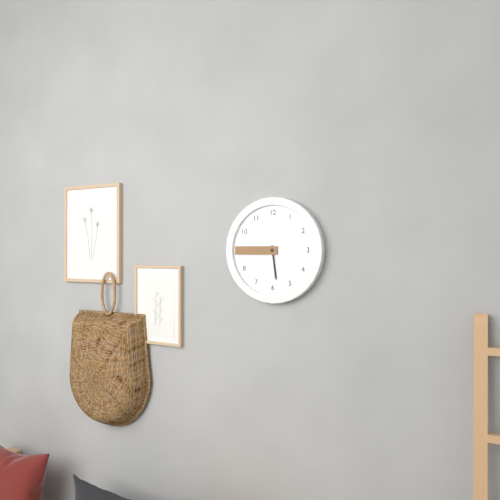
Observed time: 5:45
